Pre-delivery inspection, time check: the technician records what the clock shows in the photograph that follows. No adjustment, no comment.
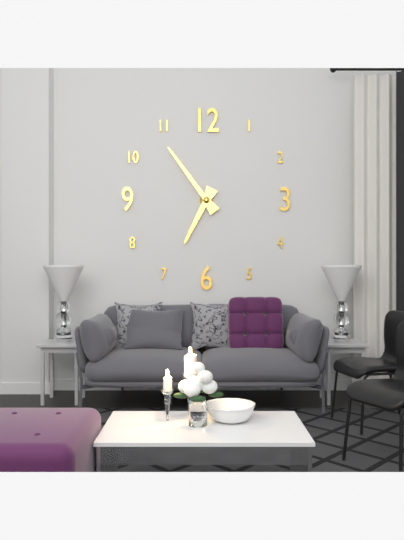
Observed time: 6:54
